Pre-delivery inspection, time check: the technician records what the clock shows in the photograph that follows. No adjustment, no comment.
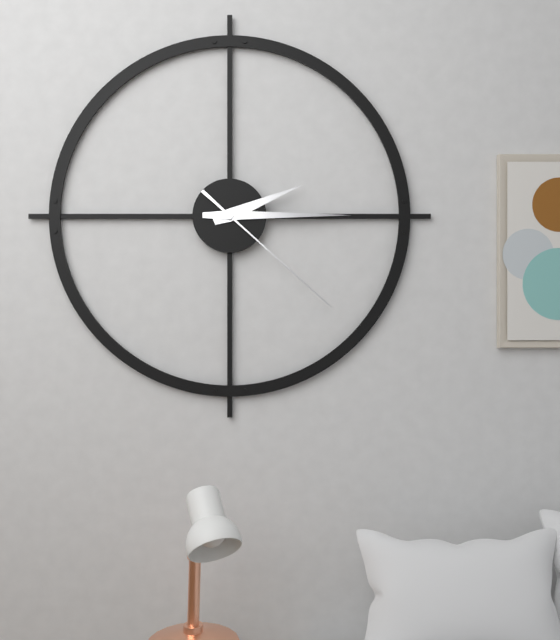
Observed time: 2:15:22
